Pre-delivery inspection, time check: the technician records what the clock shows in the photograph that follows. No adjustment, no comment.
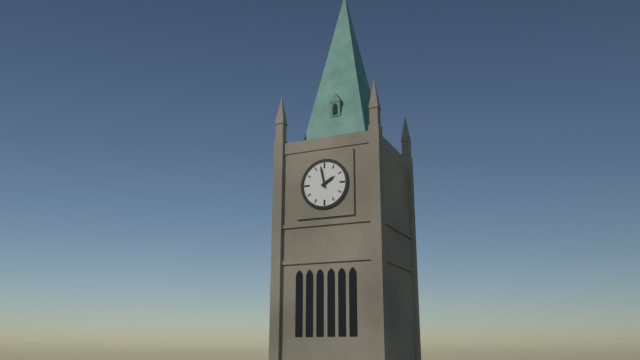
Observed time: 1:58
